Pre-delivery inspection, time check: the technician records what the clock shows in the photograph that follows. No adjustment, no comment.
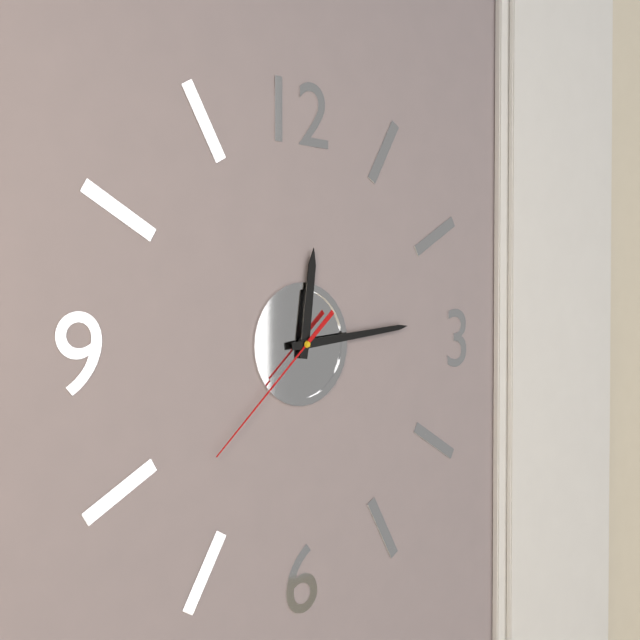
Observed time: 12:14:38
